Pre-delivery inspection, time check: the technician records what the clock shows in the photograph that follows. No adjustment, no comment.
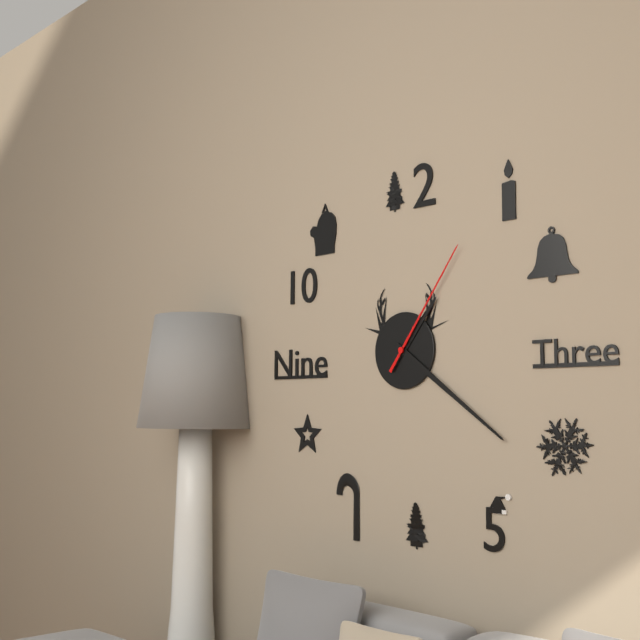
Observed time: 1:21:06
